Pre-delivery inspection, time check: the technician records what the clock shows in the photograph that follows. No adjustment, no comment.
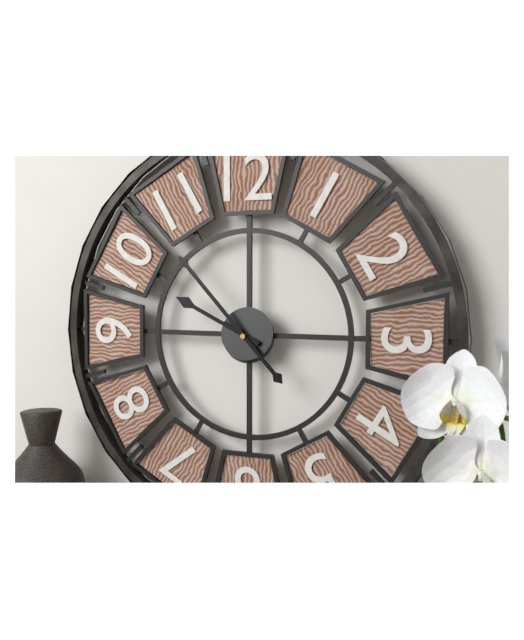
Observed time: 9:53
